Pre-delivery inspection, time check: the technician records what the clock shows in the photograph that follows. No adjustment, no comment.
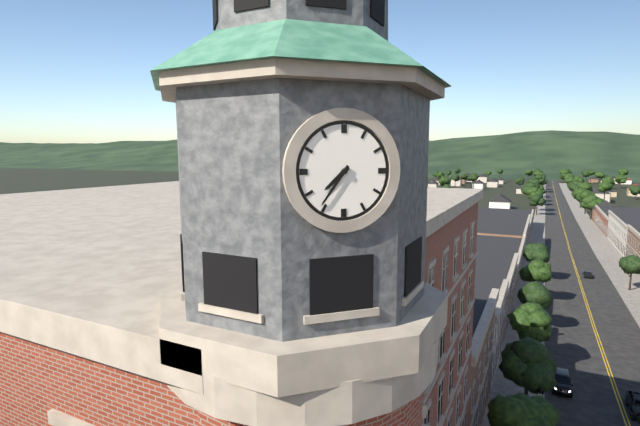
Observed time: 7:36
